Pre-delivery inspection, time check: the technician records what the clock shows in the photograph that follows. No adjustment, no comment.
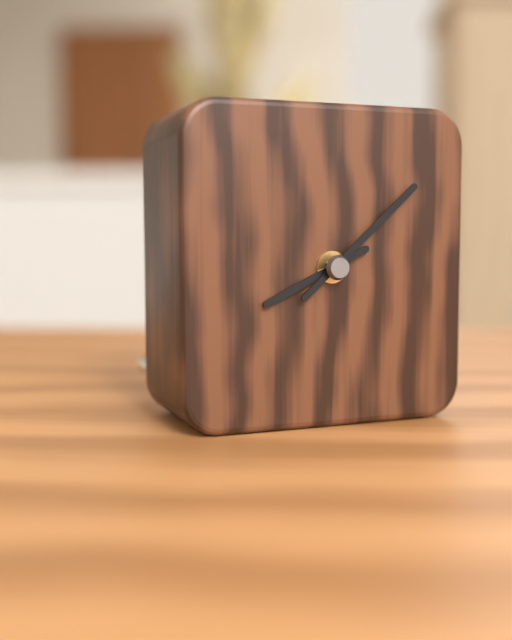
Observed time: 8:08
